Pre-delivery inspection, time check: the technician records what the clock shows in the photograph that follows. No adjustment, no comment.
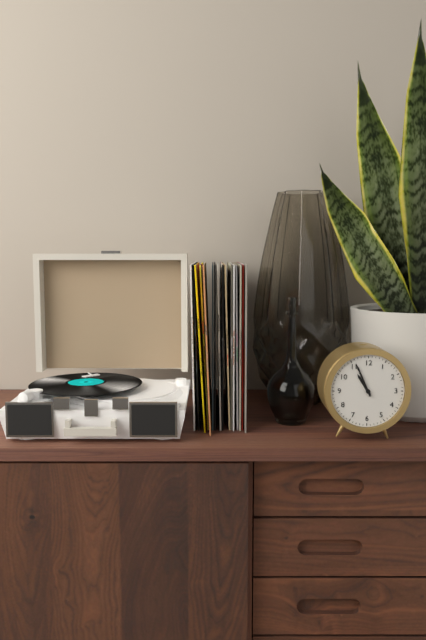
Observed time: 10:56
